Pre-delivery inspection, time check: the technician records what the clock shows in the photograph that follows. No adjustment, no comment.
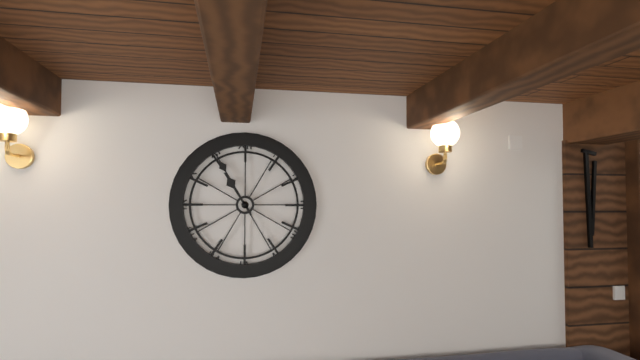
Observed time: 10:55
